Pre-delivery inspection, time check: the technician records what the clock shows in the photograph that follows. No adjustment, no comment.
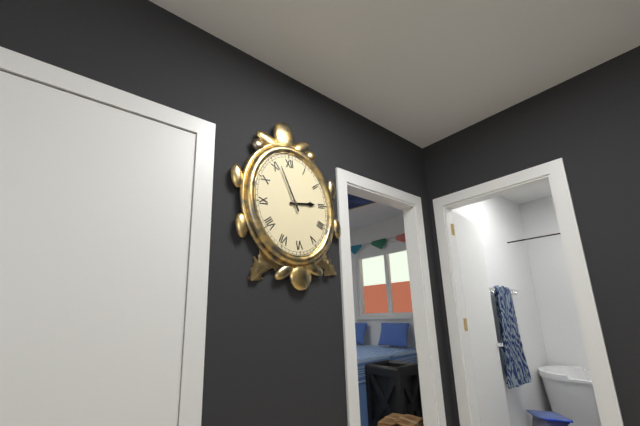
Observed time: 2:57
